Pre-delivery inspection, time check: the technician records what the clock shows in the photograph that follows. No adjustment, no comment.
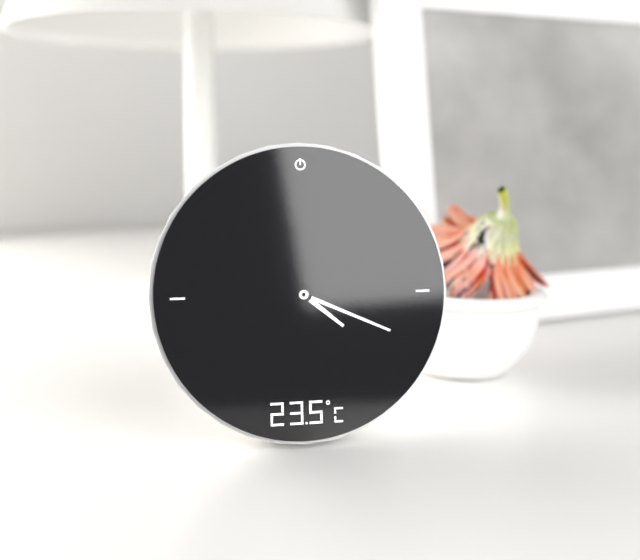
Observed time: 4:19
